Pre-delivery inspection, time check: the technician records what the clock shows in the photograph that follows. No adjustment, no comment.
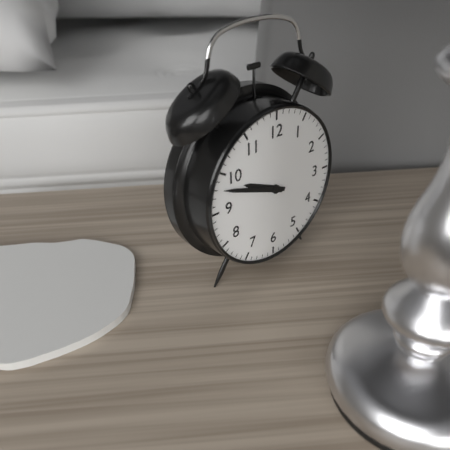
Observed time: 9:48
